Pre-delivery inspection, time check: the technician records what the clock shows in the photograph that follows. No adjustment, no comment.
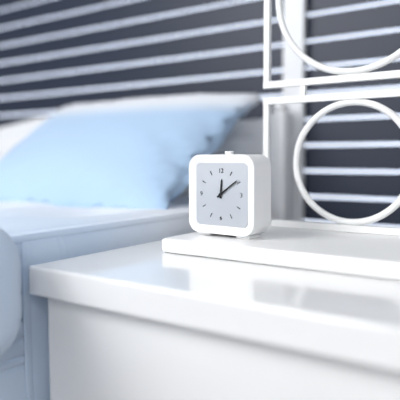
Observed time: 12:09
